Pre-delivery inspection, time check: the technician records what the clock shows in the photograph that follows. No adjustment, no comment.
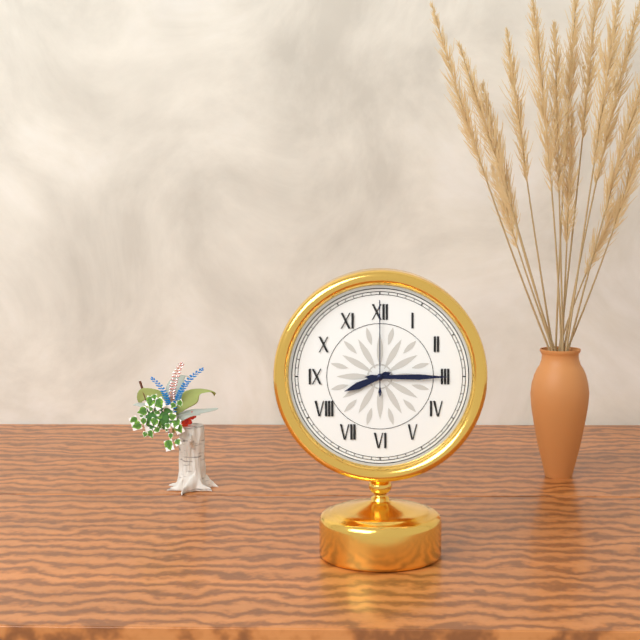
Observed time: 8:15:00
